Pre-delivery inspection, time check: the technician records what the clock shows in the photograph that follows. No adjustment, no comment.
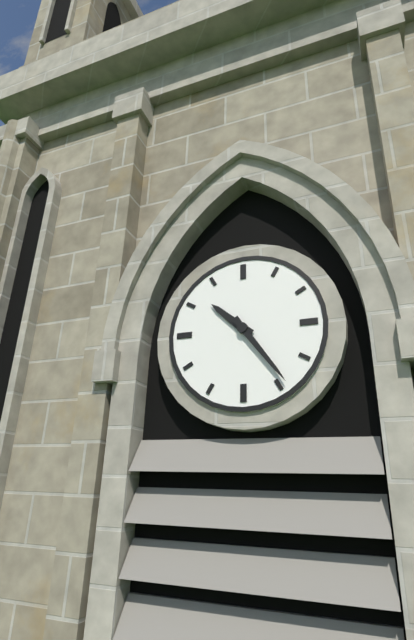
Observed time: 10:24
